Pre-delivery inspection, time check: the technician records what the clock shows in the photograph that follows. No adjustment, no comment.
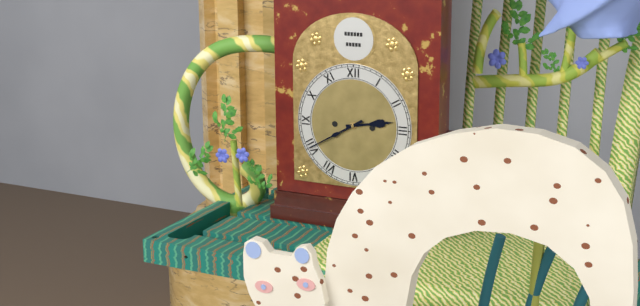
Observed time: 2:40
